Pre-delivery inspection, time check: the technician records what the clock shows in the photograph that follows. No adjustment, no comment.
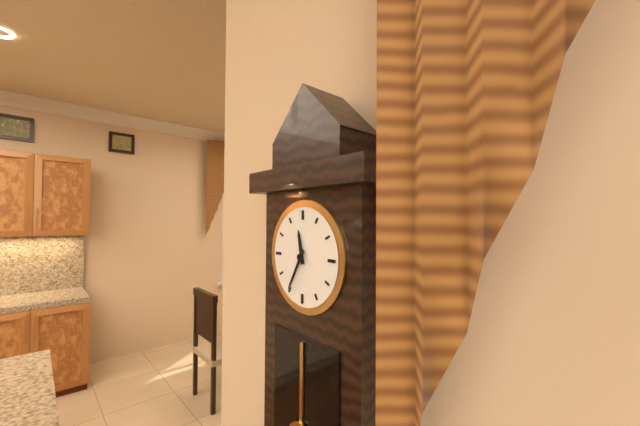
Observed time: 11:35
